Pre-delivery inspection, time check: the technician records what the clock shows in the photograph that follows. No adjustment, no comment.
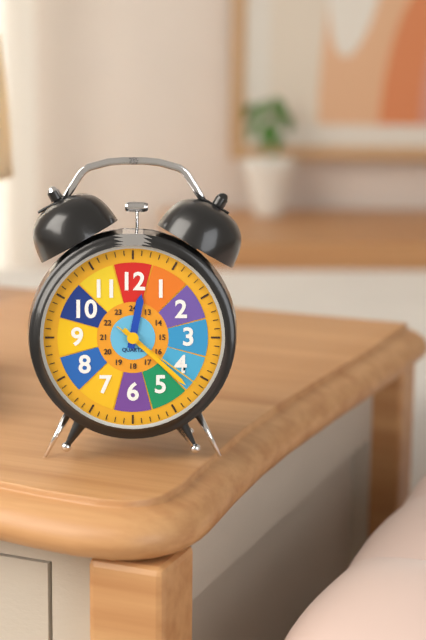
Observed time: 12:22:21
